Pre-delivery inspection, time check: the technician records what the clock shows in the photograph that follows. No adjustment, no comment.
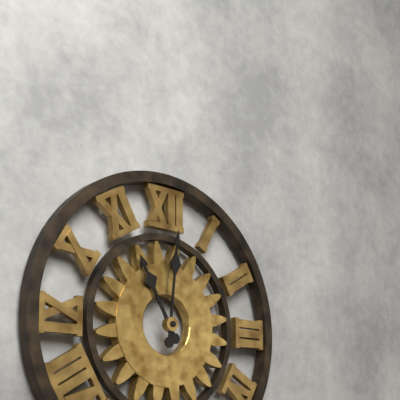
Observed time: 11:01
